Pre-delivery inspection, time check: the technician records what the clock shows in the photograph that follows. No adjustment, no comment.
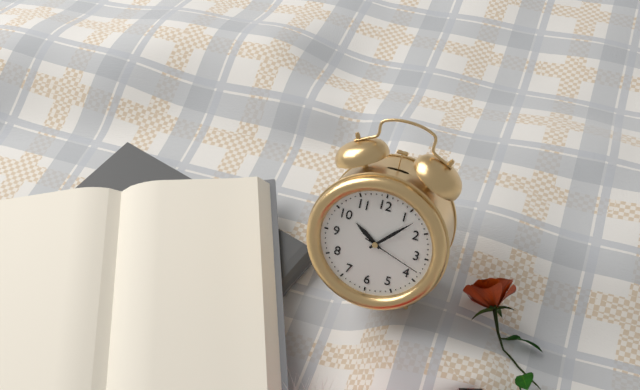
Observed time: 10:07:18
